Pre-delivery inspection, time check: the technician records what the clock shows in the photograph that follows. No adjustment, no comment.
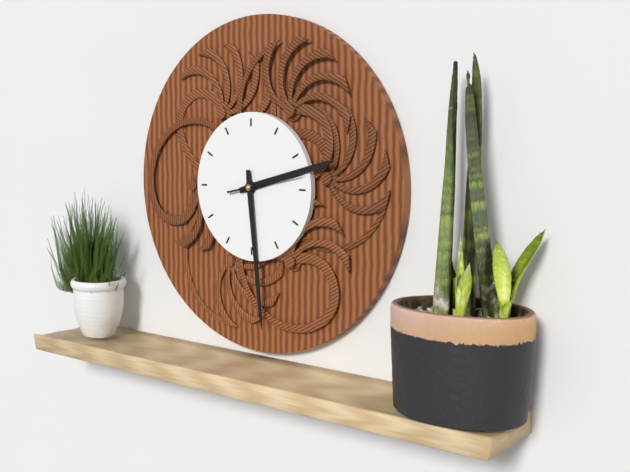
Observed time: 2:29
